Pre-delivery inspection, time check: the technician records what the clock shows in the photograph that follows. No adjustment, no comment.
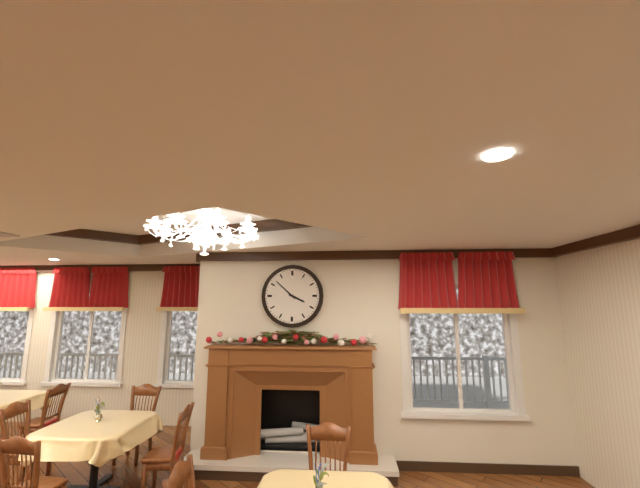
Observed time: 3:52
